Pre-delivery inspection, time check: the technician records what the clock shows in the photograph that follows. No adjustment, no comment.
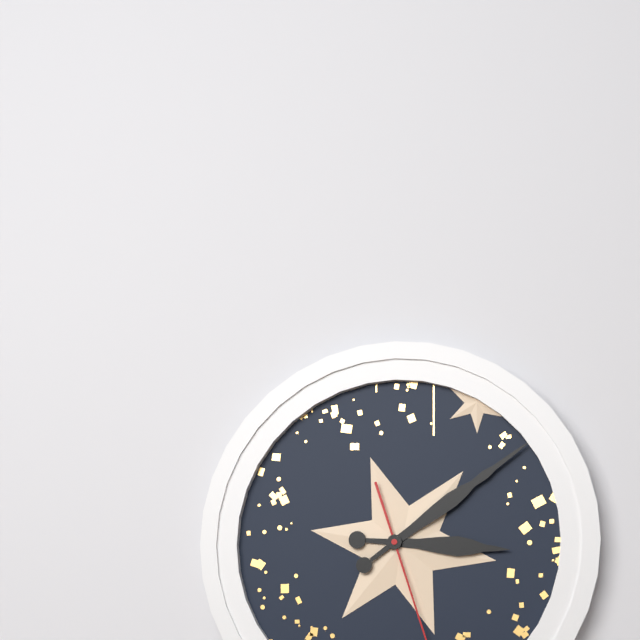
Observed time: 3:09
